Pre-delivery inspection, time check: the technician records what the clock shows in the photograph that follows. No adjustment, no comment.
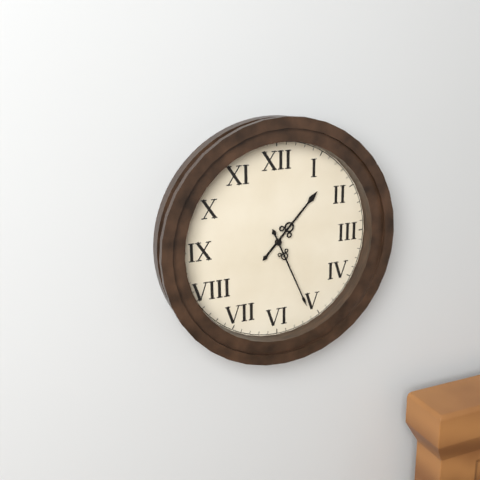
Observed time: 1:26
